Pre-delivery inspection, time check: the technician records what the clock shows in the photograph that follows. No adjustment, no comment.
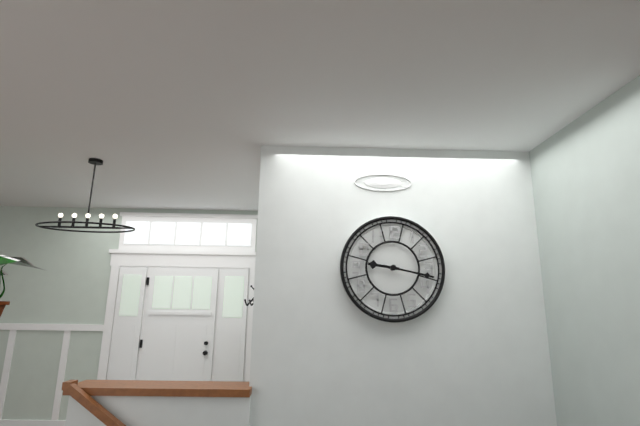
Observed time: 9:17
